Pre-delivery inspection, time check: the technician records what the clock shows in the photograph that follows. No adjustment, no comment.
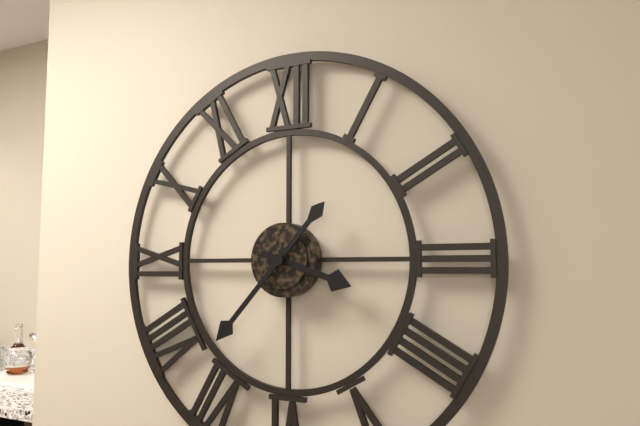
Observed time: 3:37
